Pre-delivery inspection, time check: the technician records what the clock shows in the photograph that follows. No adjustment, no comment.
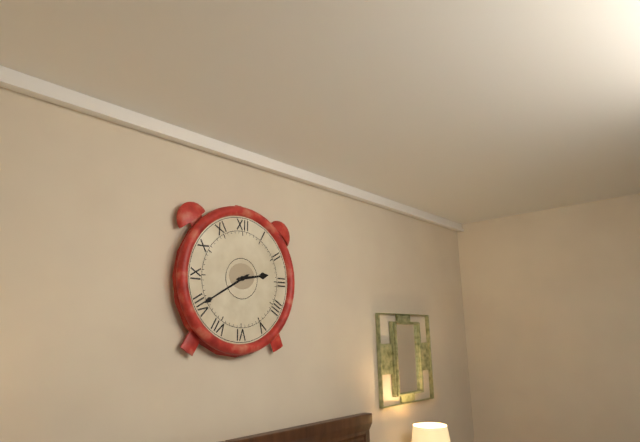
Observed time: 2:40
